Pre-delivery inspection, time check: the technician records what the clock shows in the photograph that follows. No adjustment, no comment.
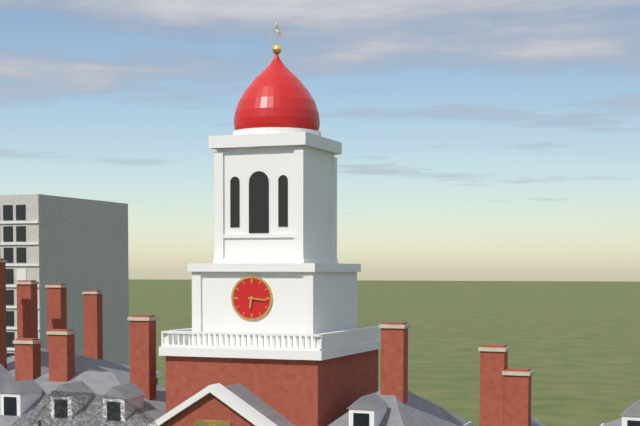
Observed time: 6:16
